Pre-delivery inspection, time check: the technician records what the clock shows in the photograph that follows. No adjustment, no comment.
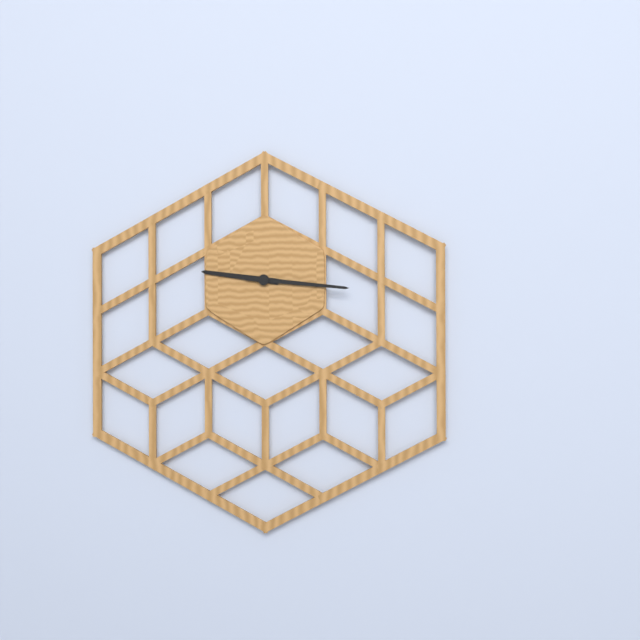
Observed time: 9:16
